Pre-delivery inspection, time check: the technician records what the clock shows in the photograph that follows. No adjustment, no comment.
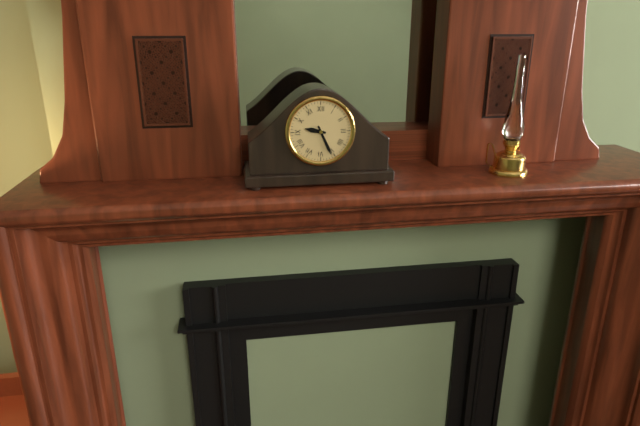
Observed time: 9:26
